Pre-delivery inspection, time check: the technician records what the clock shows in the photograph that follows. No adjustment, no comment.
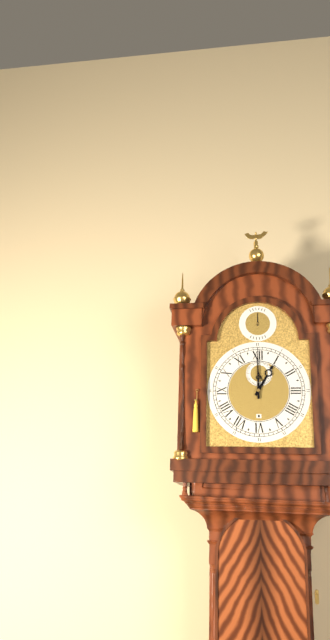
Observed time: 1:00
